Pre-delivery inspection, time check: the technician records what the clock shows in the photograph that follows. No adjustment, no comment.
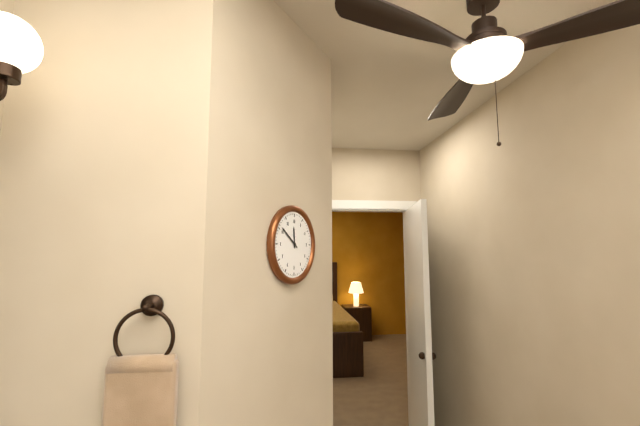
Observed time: 11:51
